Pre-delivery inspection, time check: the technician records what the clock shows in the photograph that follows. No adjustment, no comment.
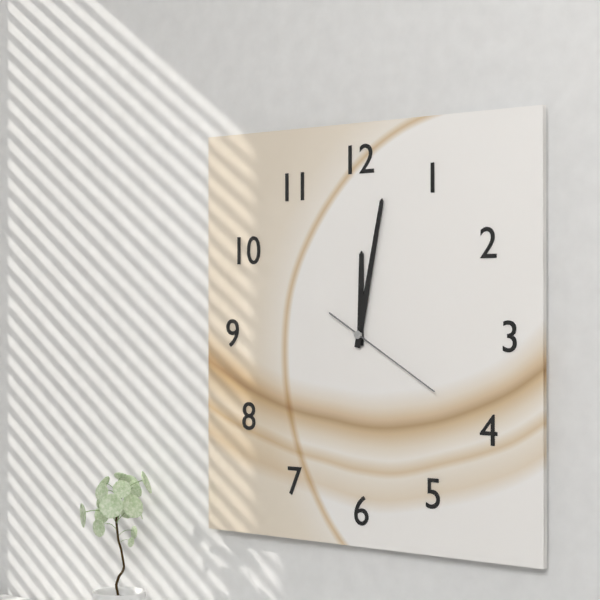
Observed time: 12:02:20
